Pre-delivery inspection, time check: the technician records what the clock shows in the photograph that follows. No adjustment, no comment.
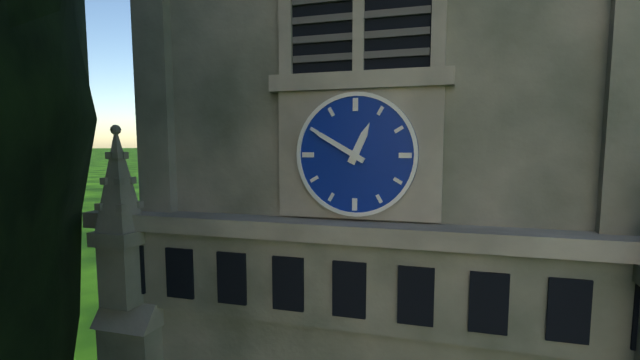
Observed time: 12:50
